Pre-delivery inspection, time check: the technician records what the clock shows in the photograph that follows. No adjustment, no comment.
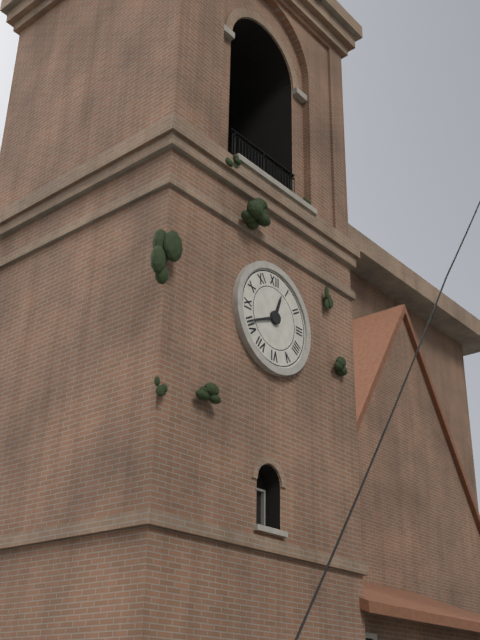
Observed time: 12:41
